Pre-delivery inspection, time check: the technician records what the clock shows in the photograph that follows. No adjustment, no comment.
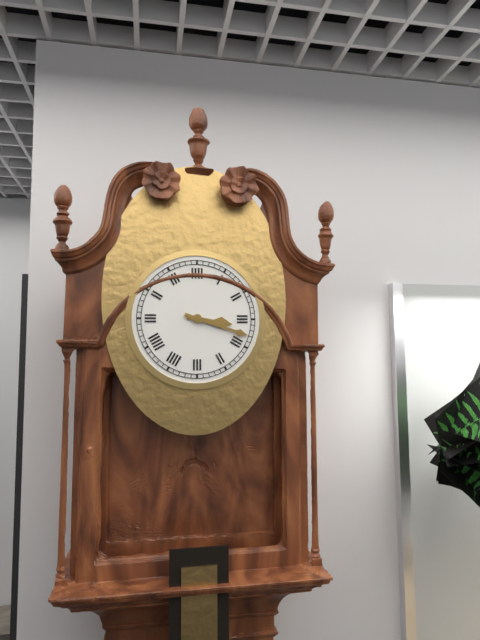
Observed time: 3:18
